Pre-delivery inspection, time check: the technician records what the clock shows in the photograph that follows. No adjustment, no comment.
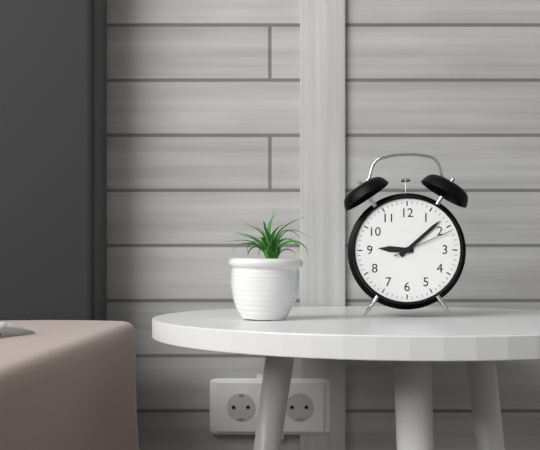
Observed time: 9:08:11
